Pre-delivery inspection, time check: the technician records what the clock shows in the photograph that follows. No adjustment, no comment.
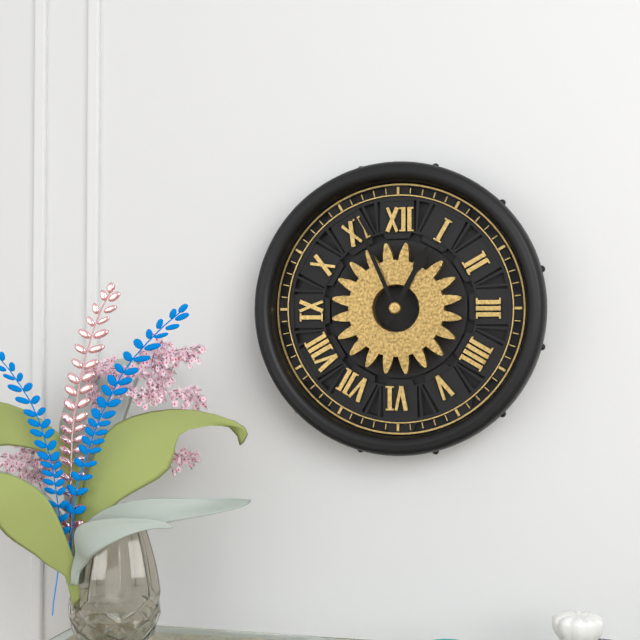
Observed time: 12:56
